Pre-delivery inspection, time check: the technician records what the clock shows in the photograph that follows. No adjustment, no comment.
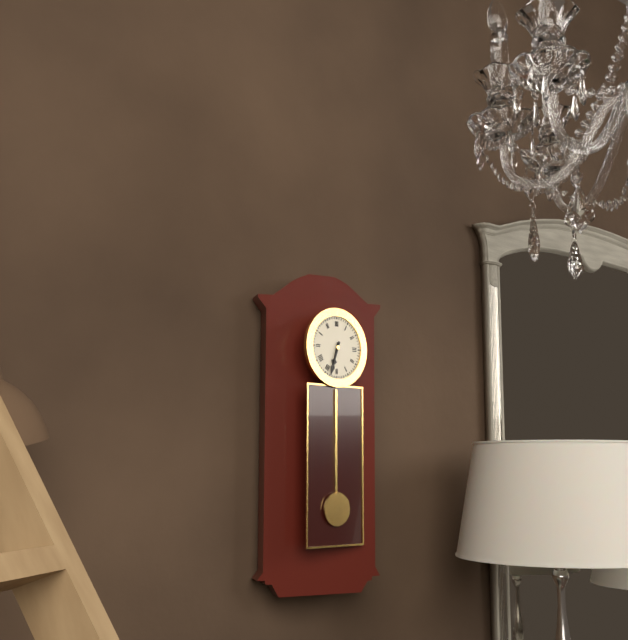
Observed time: 6:33
